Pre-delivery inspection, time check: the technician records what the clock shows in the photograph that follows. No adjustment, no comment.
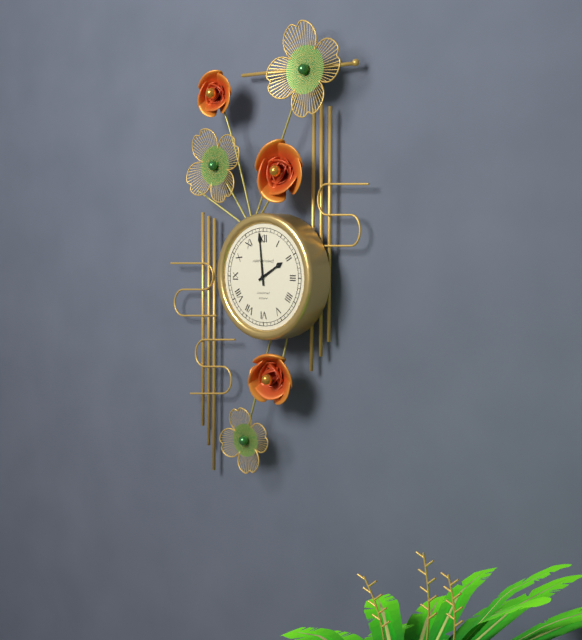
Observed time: 1:59
